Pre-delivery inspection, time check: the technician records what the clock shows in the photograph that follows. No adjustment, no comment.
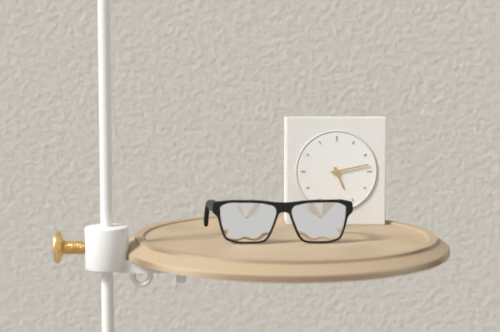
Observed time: 5:13
